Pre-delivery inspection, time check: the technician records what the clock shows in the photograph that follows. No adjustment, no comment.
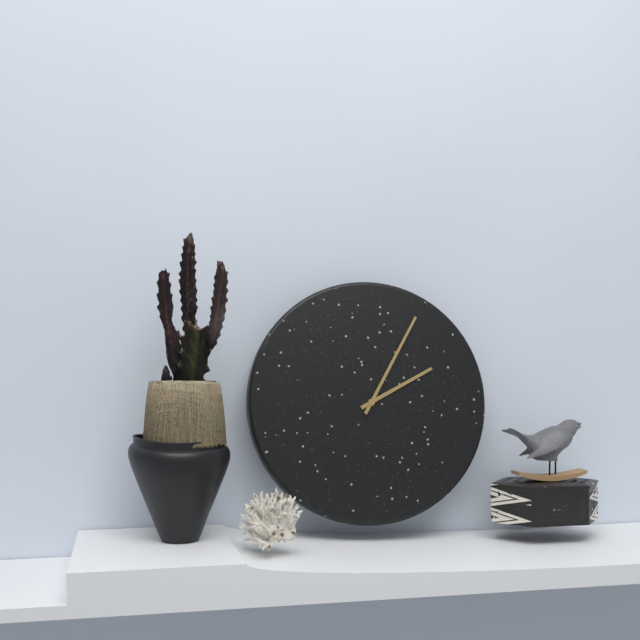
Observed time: 2:05
